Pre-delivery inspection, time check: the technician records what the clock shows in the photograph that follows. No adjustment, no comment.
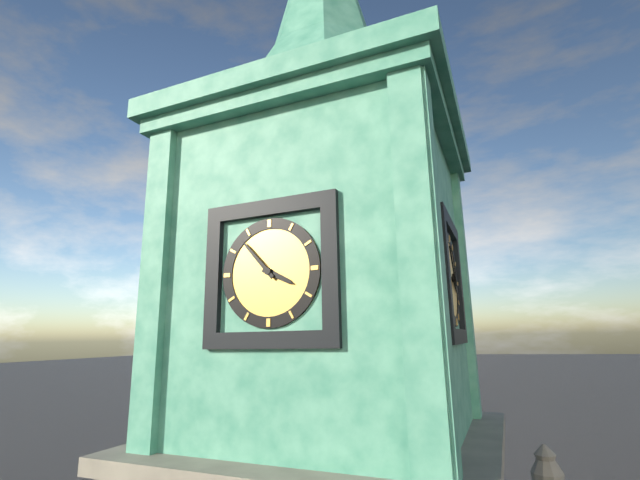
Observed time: 3:53
